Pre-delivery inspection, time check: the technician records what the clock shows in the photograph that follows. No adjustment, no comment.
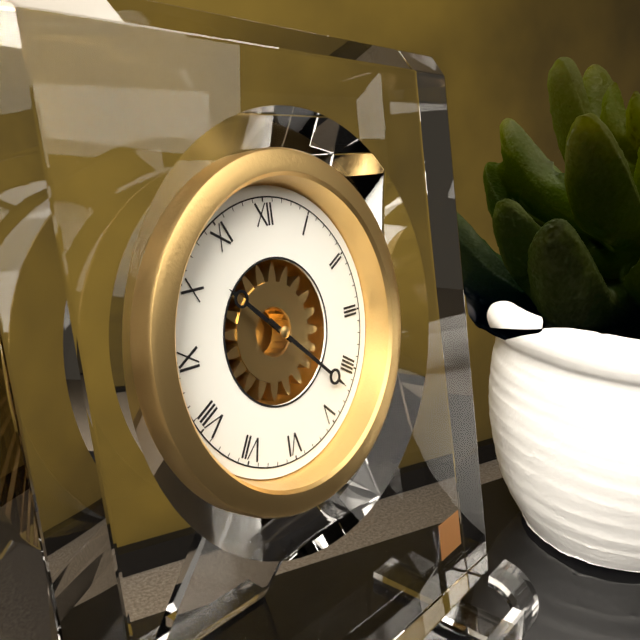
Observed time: 10:22
